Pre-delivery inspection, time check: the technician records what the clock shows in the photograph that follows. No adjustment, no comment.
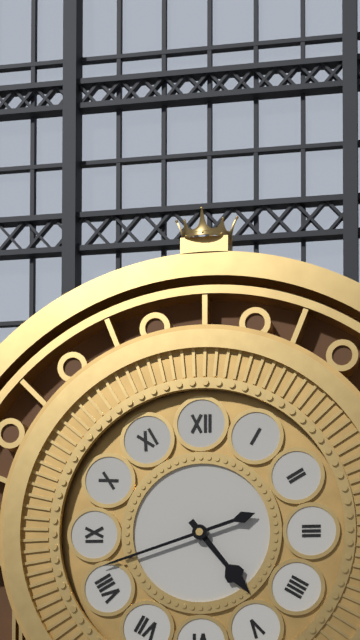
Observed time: 4:42
